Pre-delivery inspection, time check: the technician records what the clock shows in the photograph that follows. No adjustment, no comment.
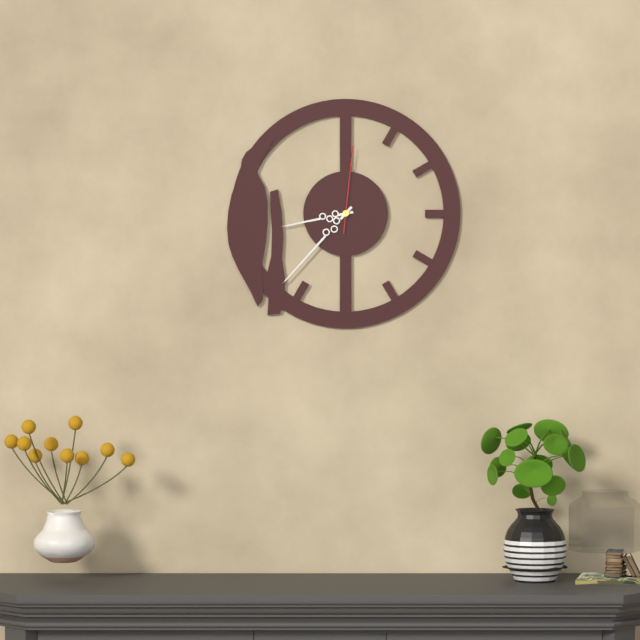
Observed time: 8:37:01
